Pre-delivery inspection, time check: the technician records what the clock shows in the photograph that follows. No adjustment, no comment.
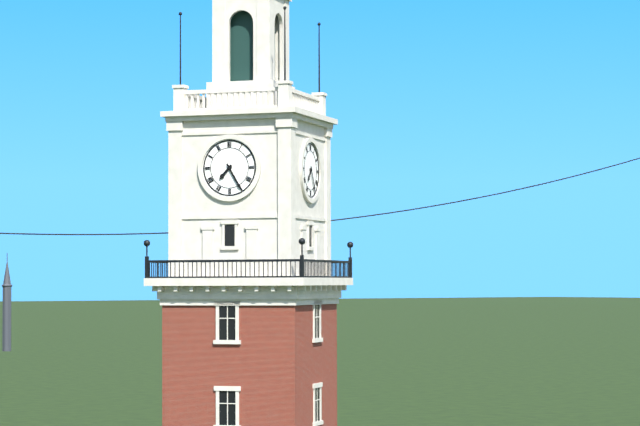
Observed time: 7:25
